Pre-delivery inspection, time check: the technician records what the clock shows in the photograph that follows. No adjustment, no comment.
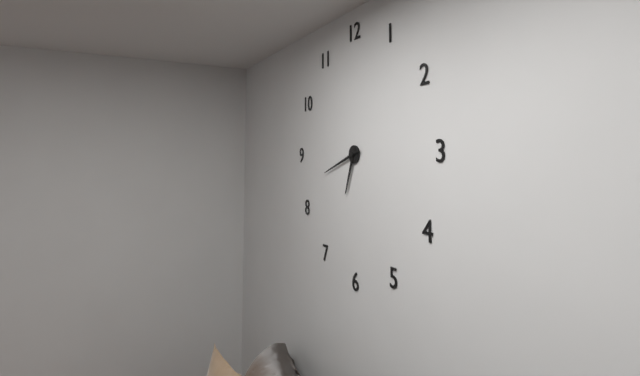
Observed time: 6:42
